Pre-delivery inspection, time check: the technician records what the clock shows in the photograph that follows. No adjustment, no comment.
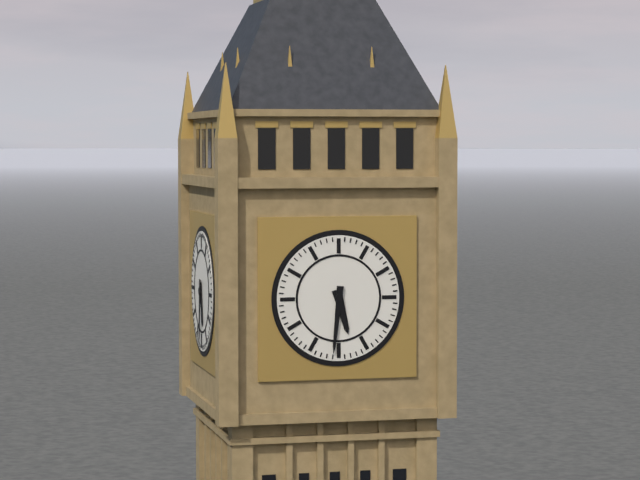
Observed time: 5:31
